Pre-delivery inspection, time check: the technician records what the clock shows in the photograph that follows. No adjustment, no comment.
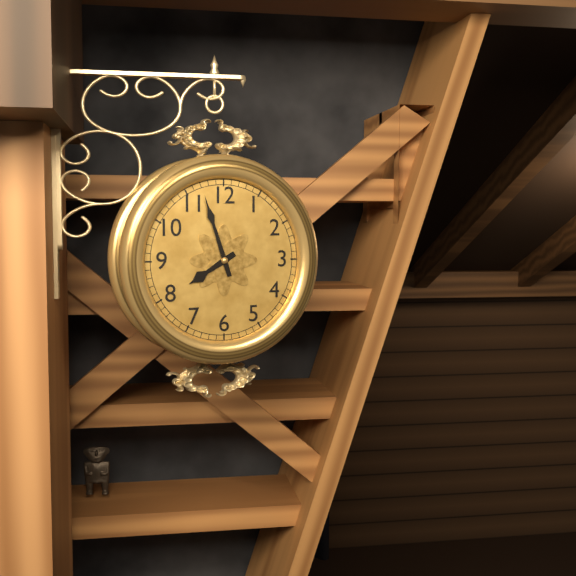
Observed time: 7:57
